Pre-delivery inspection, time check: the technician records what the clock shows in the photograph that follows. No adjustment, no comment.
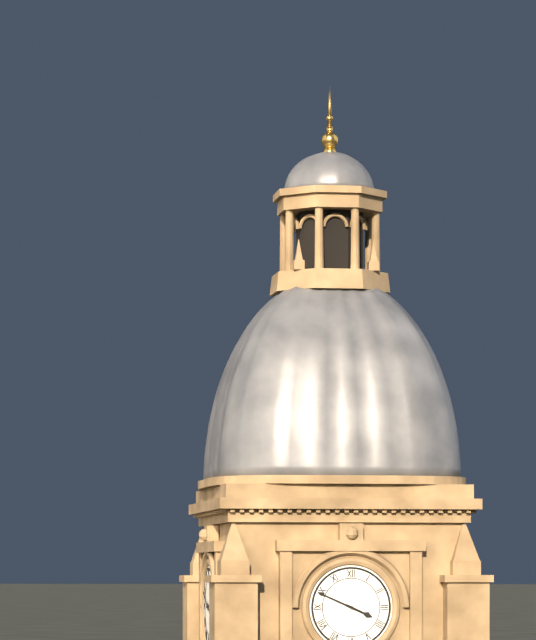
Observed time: 3:49
